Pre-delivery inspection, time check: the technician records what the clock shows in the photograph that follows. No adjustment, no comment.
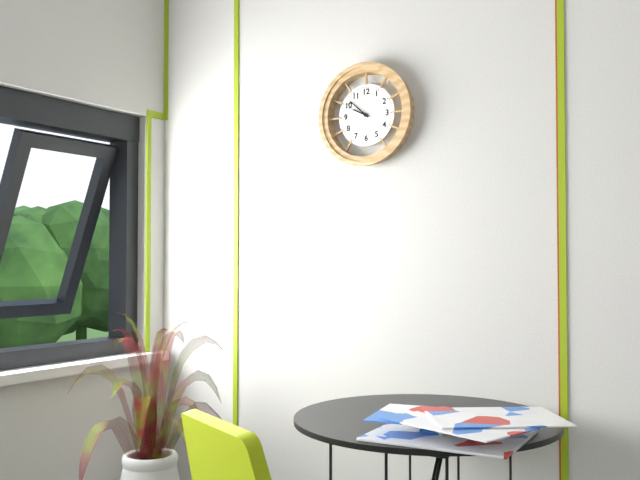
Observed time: 9:52
